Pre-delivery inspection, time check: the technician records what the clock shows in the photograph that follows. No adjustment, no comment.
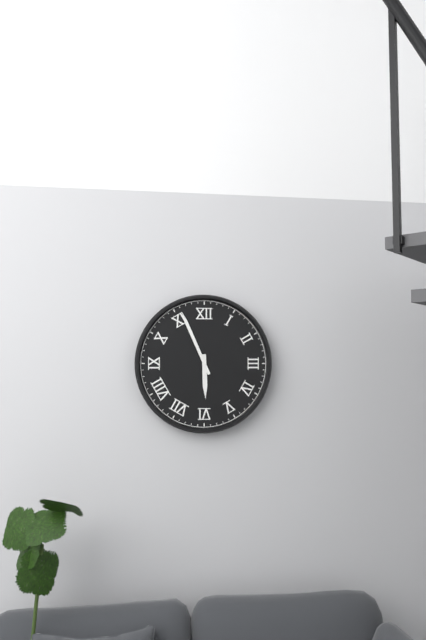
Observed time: 5:56
